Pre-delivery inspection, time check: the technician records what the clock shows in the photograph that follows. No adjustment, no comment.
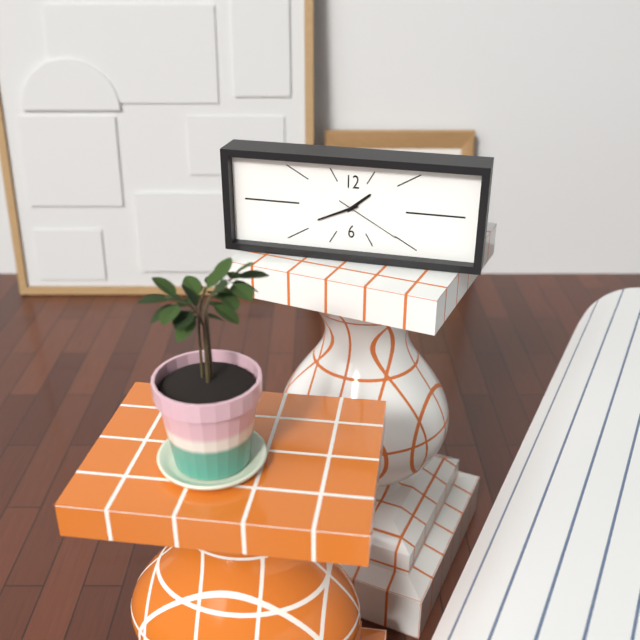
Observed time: 1:41:20
